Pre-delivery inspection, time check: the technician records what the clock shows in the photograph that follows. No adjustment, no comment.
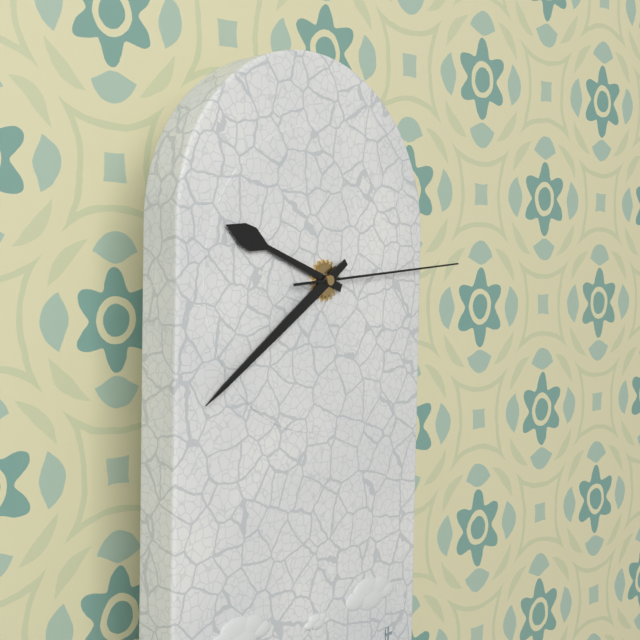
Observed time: 9:39:14
